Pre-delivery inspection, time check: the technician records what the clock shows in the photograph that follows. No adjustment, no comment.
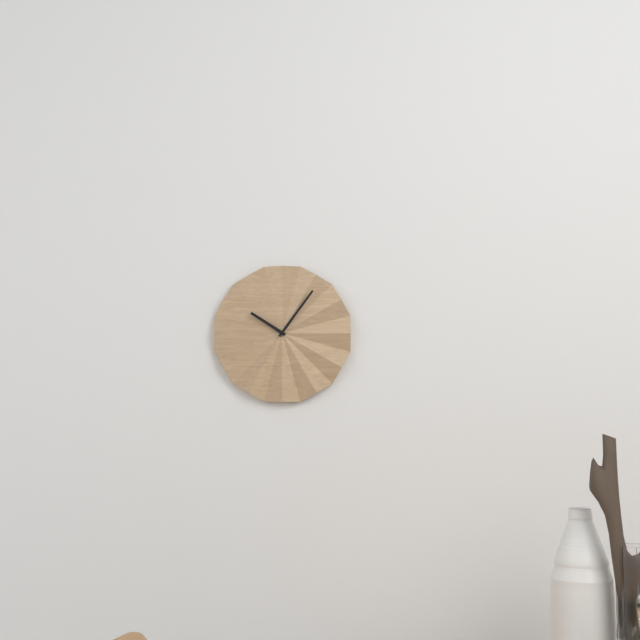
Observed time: 10:06
